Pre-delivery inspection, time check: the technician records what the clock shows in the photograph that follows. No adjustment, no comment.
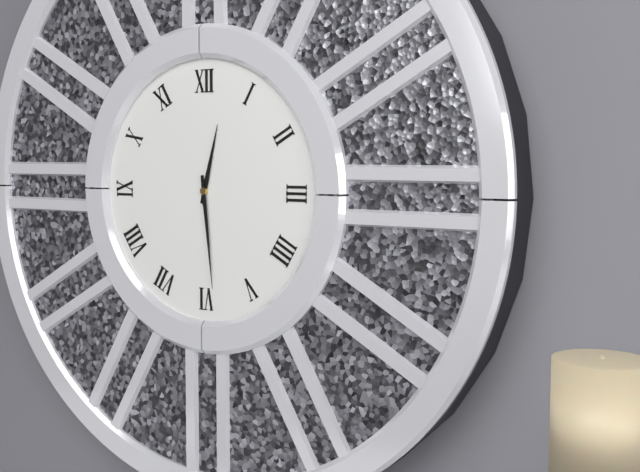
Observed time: 12:29
